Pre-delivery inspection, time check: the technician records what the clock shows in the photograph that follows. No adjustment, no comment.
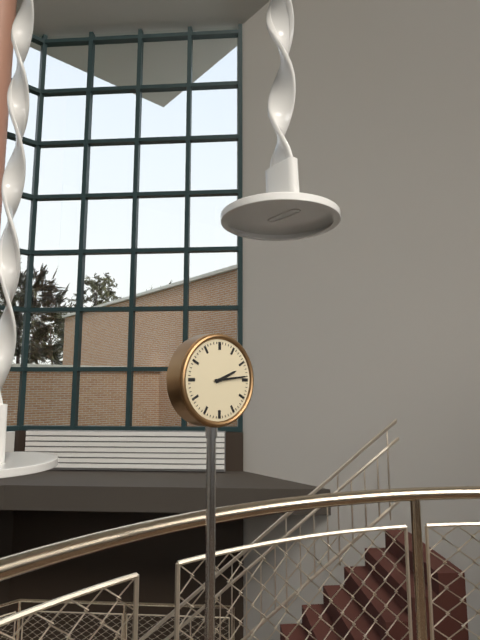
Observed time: 2:14
